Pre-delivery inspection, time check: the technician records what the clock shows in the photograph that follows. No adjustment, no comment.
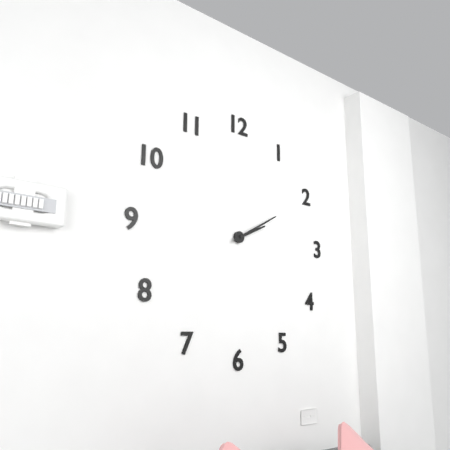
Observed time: 2:10
